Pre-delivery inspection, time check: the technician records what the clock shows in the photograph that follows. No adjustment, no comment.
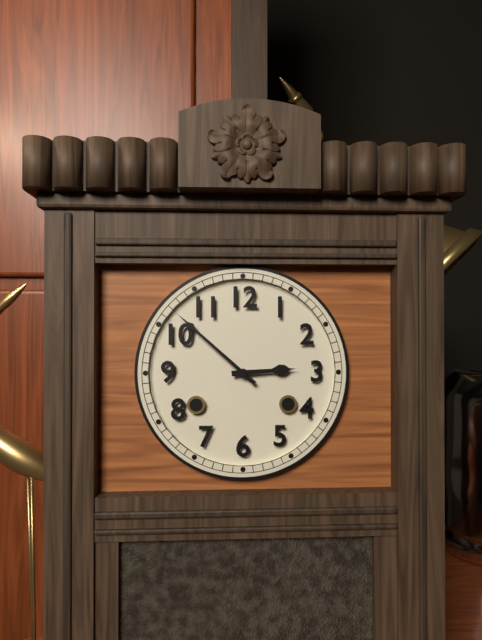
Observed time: 2:52
